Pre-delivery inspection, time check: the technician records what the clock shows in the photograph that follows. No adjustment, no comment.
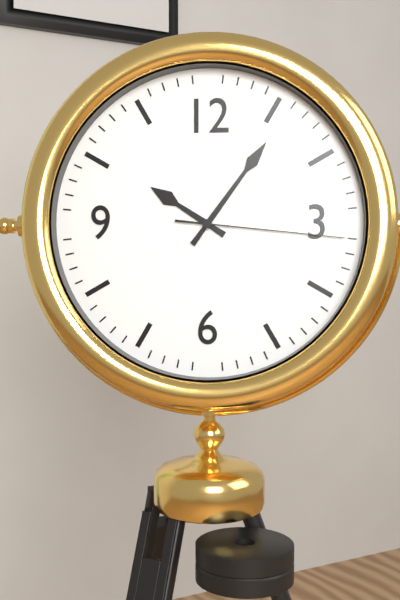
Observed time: 10:06:16
